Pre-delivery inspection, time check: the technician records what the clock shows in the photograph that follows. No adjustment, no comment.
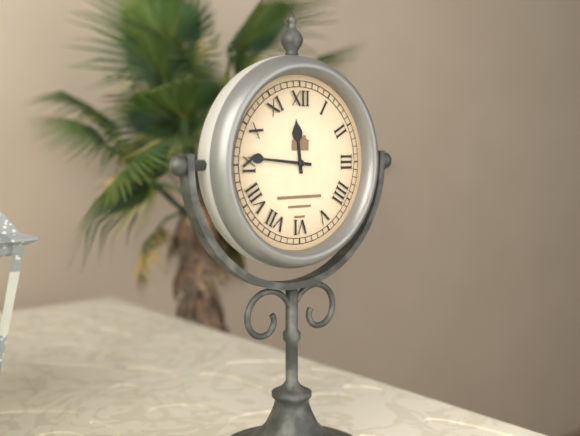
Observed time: 11:46
